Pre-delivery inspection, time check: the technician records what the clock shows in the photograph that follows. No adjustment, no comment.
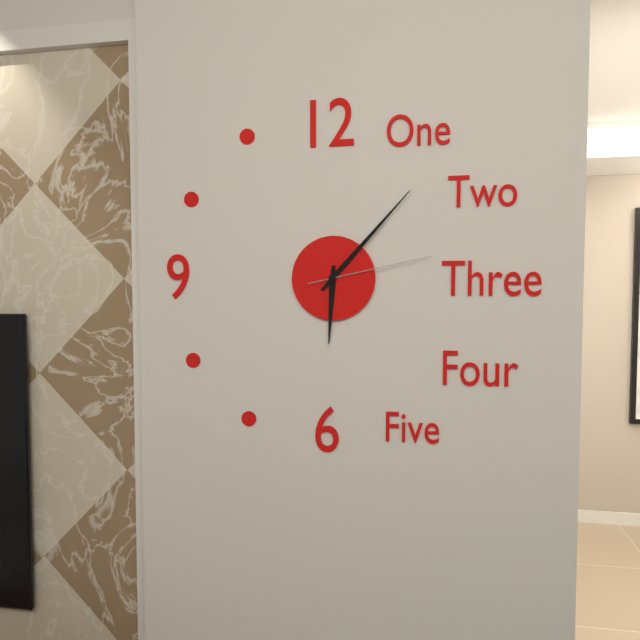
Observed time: 6:07:13
